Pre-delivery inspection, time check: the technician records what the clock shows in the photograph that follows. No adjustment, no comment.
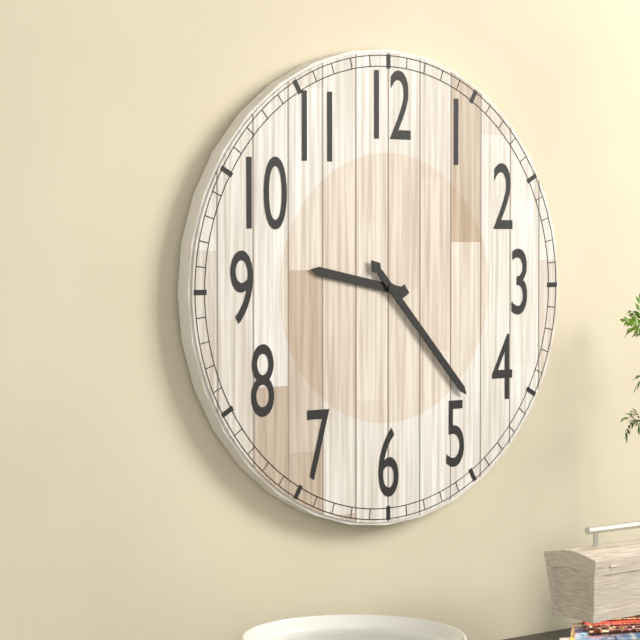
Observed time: 9:23
